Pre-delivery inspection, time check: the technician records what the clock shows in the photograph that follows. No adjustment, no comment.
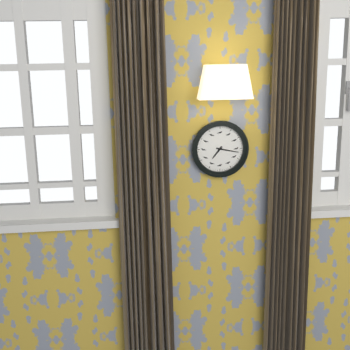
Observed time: 7:17
